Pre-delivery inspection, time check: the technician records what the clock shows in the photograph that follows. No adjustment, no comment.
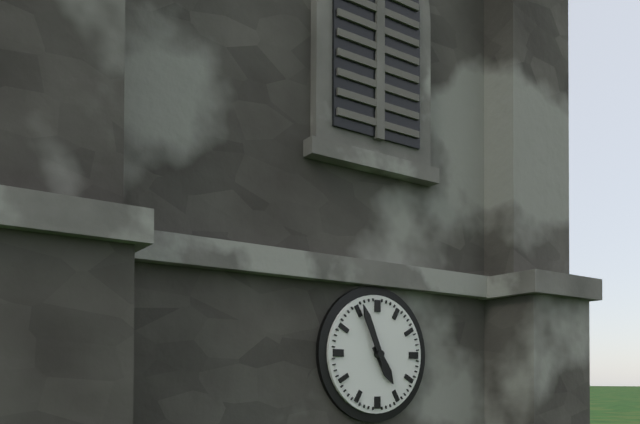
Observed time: 4:56
